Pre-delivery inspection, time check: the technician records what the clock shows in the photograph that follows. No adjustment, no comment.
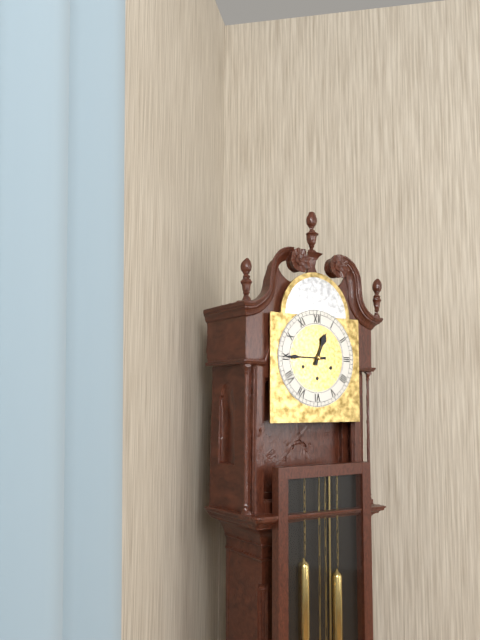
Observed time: 12:45
